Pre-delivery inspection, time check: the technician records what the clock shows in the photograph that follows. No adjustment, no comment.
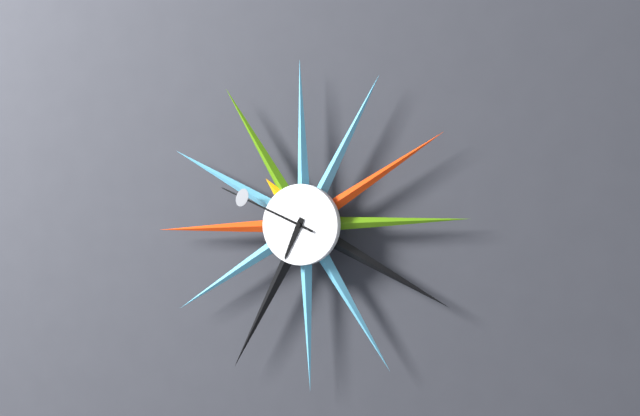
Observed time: 6:49
